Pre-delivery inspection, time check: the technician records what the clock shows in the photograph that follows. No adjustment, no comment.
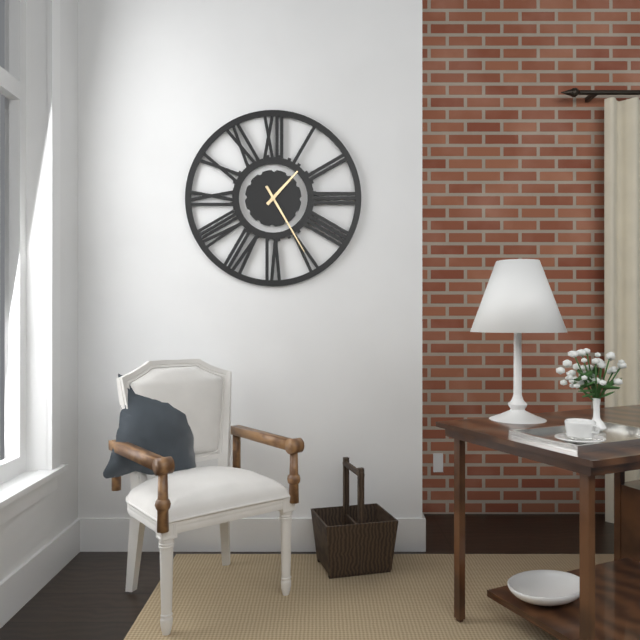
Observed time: 1:25
